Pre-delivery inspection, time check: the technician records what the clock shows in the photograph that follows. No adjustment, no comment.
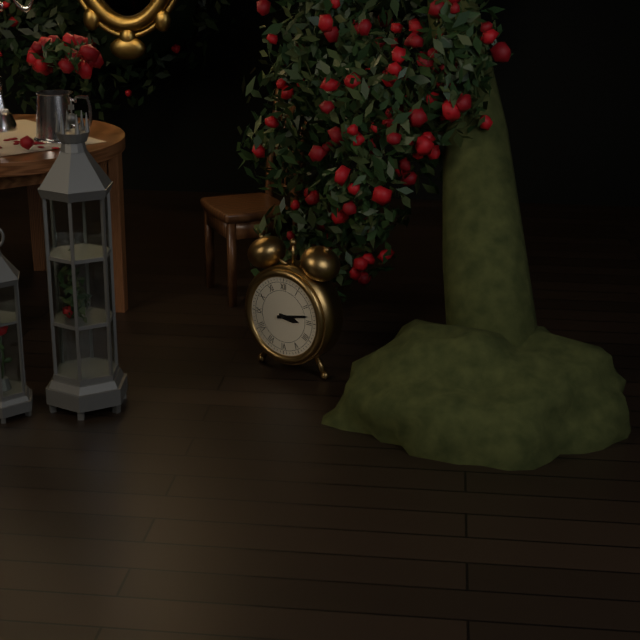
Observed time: 3:13
